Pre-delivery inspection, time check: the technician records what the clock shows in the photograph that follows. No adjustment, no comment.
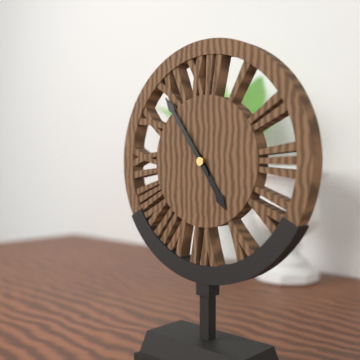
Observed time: 4:54
